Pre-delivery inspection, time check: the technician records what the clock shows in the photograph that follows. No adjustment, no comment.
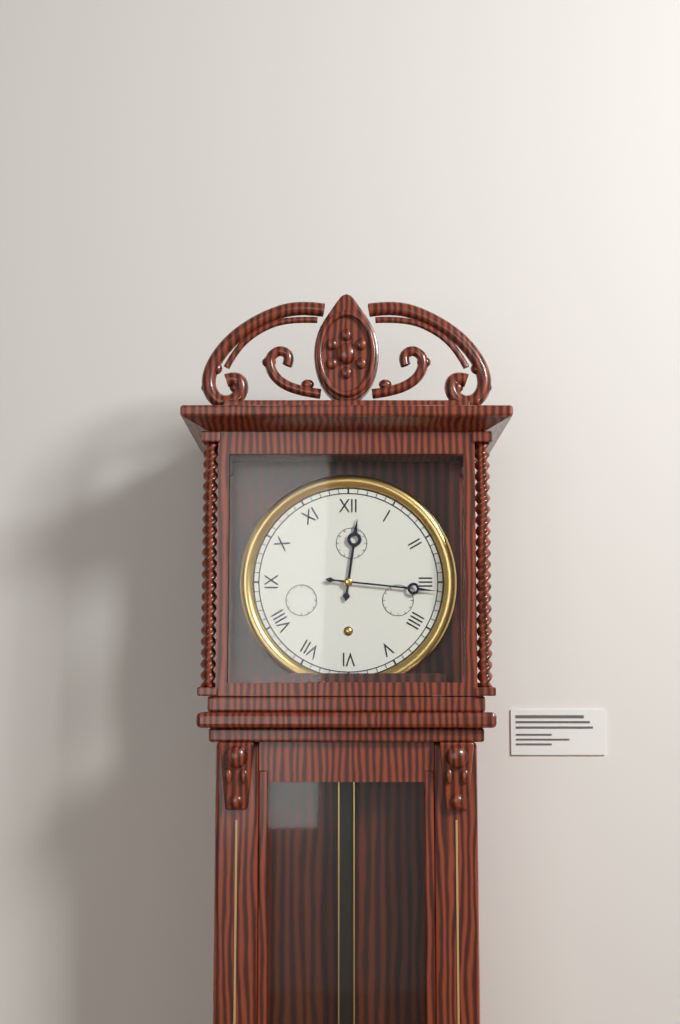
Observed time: 12:16
